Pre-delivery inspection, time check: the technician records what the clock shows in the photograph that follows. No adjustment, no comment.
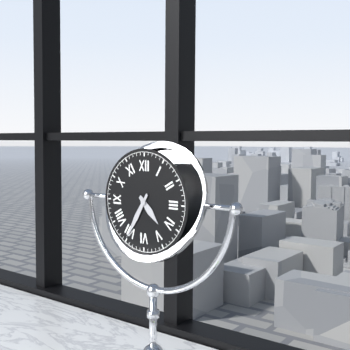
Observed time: 4:35
